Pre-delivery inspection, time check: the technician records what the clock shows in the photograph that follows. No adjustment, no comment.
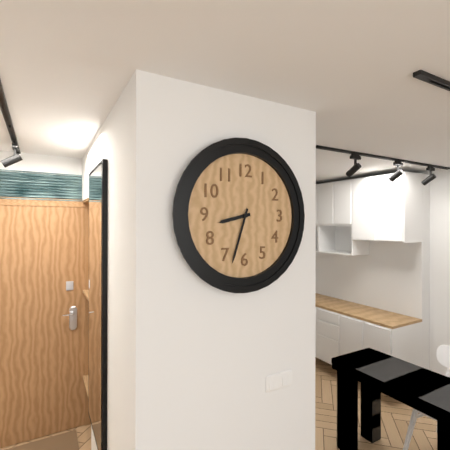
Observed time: 8:33
